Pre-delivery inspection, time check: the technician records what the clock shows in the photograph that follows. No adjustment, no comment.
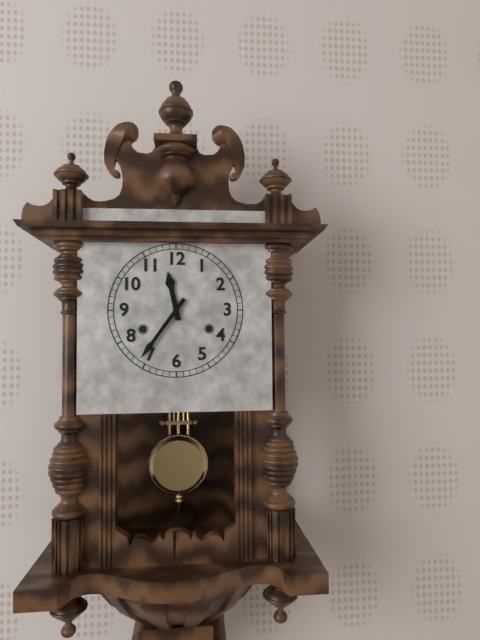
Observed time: 11:36
